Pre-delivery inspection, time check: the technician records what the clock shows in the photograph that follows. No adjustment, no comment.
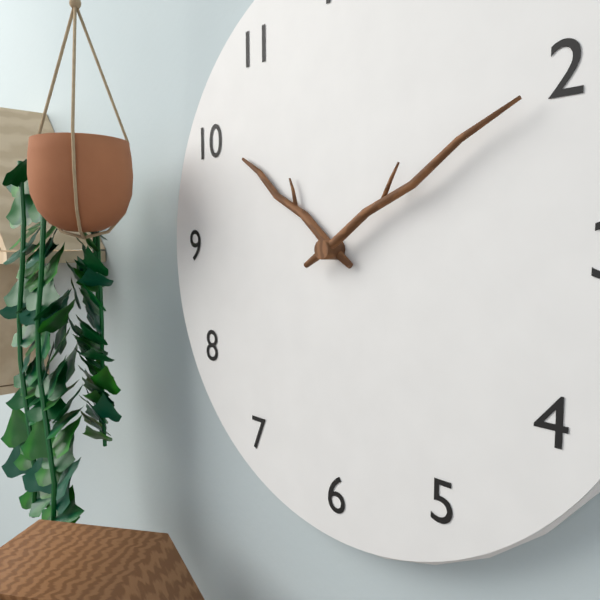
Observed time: 10:10
